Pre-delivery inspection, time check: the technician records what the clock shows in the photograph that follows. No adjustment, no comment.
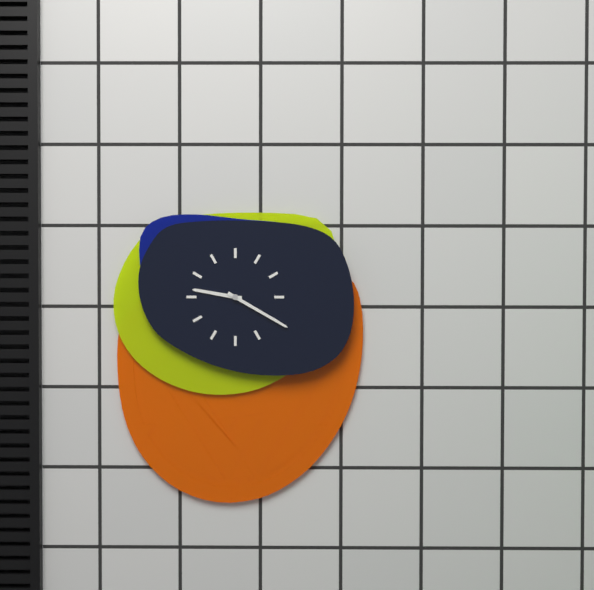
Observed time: 9:20
